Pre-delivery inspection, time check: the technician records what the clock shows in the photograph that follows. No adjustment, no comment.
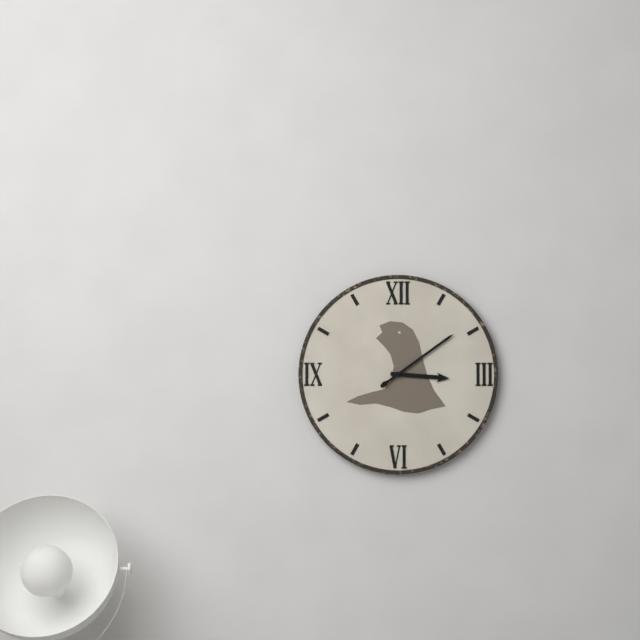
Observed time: 3:09
